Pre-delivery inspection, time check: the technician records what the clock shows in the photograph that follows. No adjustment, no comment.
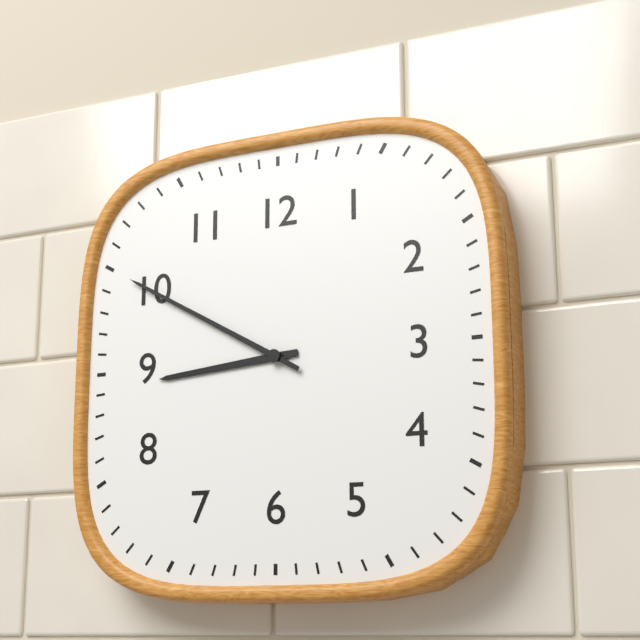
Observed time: 8:50
